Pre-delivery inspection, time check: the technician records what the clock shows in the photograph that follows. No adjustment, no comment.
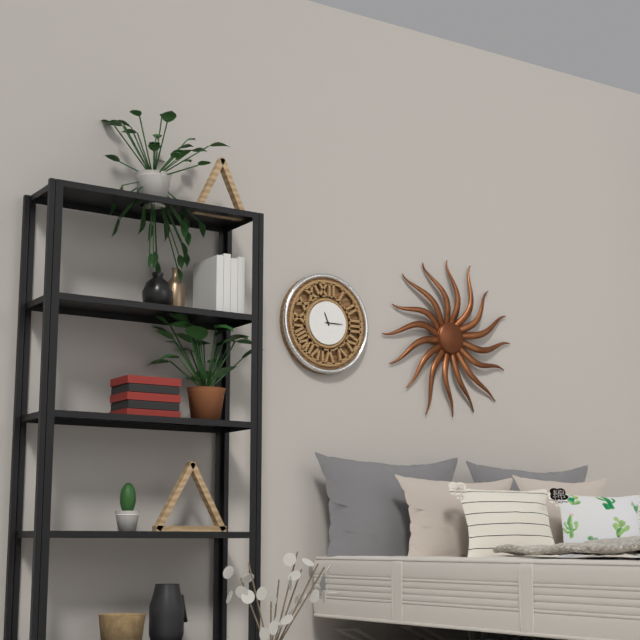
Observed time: 11:15
